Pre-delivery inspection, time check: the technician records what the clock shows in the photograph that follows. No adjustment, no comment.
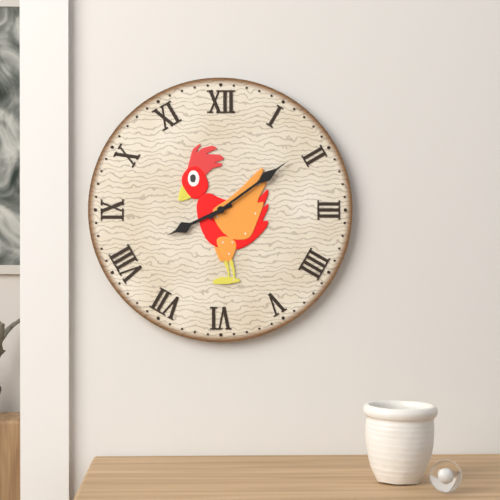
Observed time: 8:09
